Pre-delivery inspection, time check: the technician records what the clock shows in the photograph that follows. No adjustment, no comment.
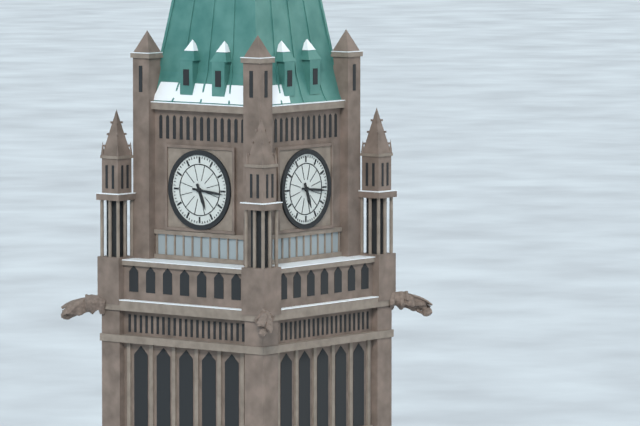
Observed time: 5:16
